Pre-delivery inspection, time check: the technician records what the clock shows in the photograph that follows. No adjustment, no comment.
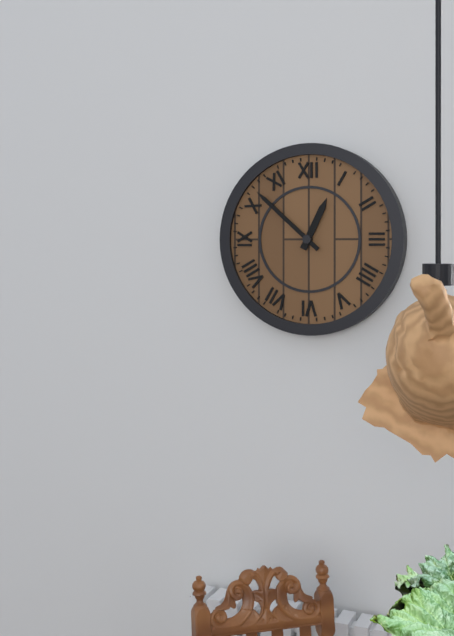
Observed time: 12:52
